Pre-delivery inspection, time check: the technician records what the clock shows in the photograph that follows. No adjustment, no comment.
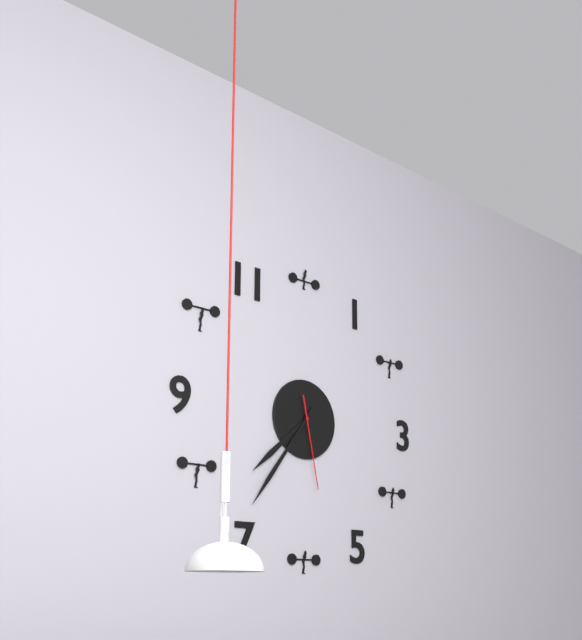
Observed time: 7:36:28
